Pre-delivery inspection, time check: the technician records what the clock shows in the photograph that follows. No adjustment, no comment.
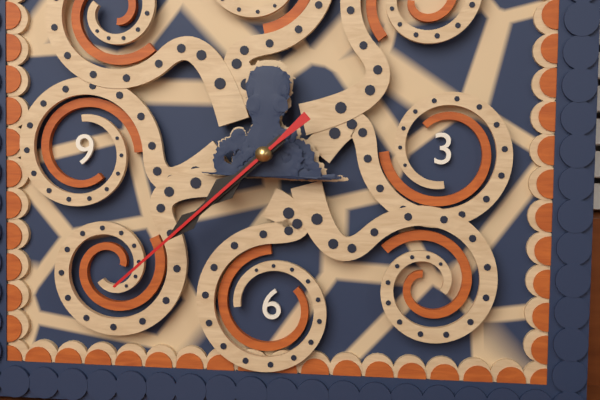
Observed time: 7:38:38
